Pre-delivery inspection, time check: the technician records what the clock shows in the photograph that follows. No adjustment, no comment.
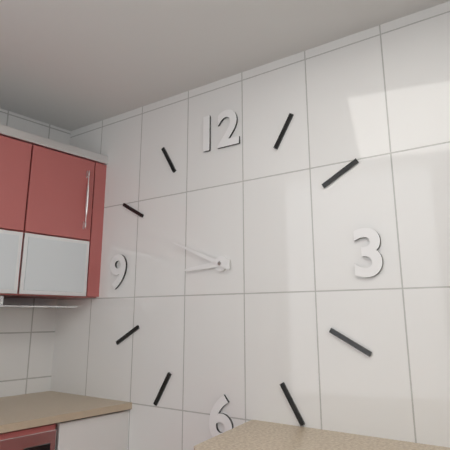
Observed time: 8:49
